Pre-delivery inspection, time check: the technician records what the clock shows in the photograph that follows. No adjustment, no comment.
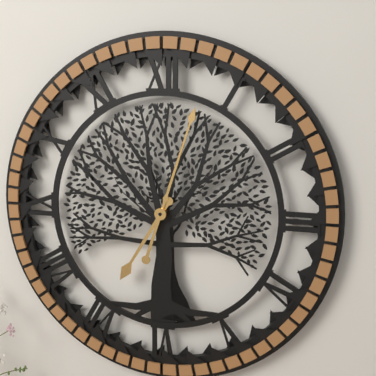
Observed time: 7:03
